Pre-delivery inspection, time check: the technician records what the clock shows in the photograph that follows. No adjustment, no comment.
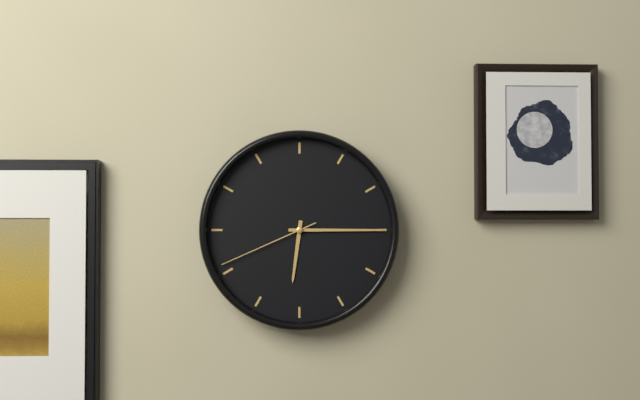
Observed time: 6:15:41
